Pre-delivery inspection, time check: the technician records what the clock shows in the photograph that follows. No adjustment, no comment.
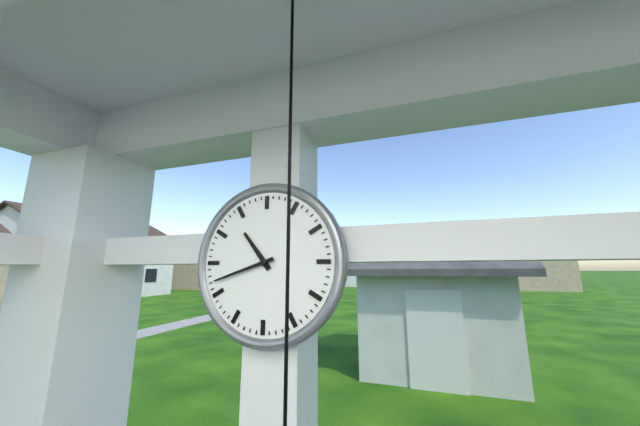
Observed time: 10:42
